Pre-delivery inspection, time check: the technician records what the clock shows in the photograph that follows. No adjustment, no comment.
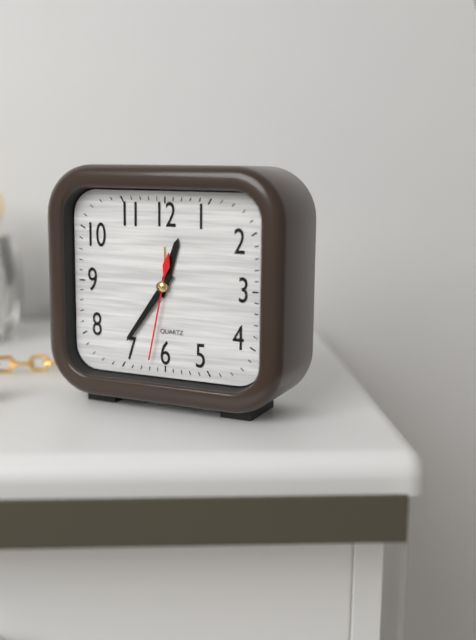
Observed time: 12:36:32
